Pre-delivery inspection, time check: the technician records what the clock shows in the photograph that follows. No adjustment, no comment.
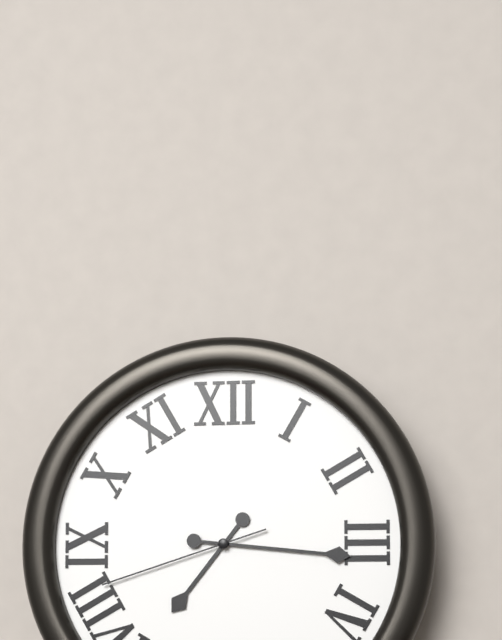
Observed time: 7:16:42
